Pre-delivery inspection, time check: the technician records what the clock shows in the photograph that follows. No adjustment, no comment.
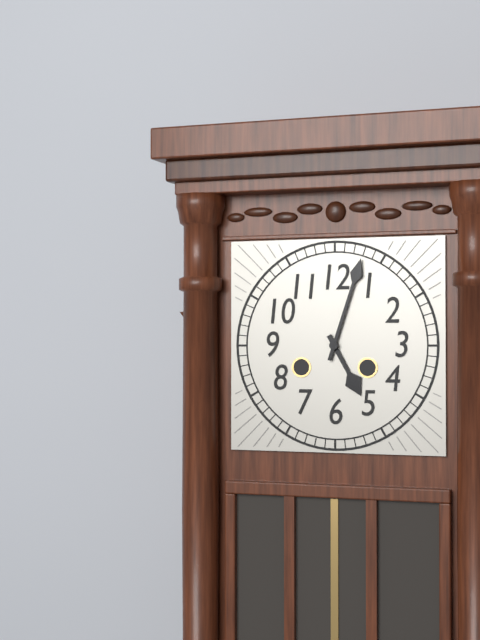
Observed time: 5:03
